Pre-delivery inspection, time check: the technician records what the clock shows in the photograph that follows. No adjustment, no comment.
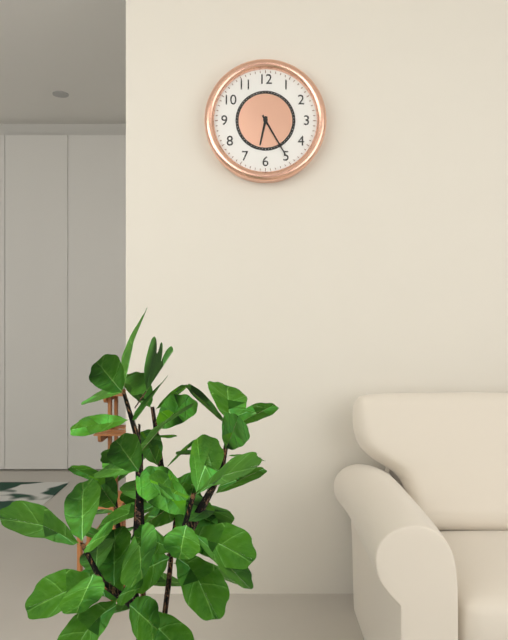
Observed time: 6:25
